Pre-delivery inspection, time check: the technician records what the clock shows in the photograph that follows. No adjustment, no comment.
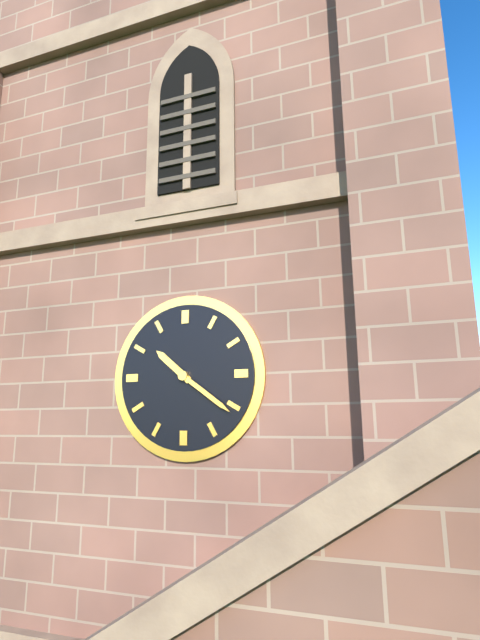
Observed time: 10:21
